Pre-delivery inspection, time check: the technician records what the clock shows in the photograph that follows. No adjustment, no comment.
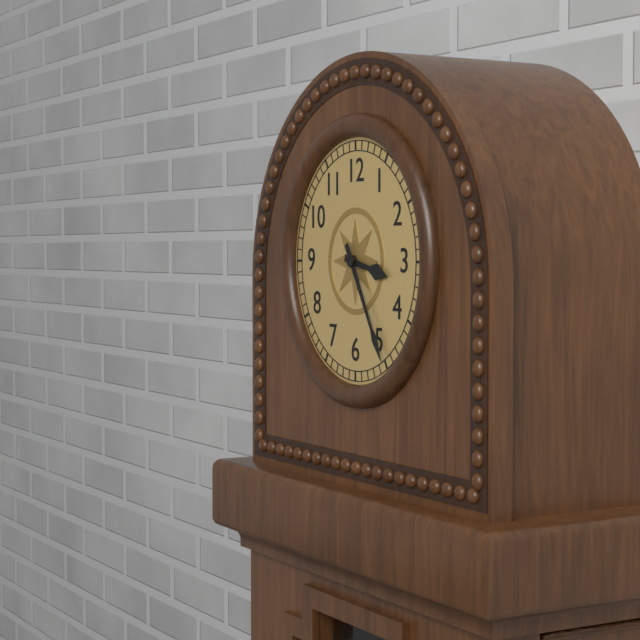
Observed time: 3:25
